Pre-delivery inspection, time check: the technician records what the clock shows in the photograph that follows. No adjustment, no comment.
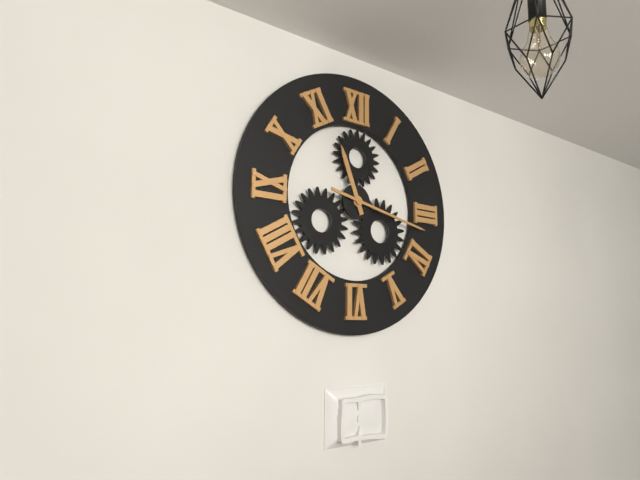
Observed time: 11:17
